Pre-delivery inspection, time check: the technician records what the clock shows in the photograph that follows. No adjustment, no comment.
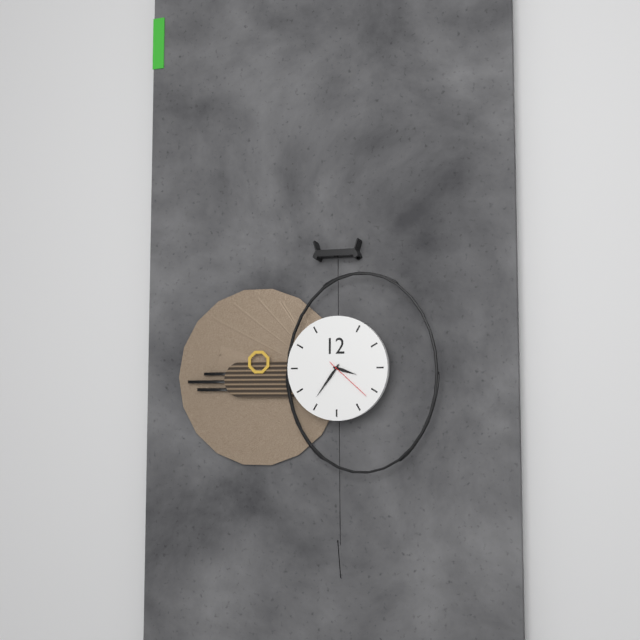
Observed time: 3:36:22
